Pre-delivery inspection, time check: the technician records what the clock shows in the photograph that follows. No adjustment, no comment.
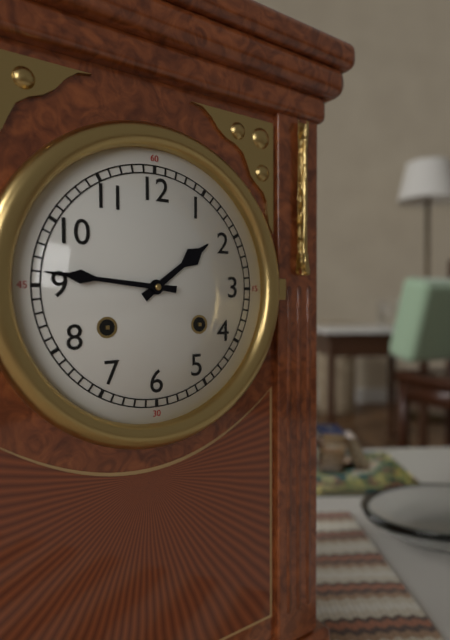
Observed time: 1:46
